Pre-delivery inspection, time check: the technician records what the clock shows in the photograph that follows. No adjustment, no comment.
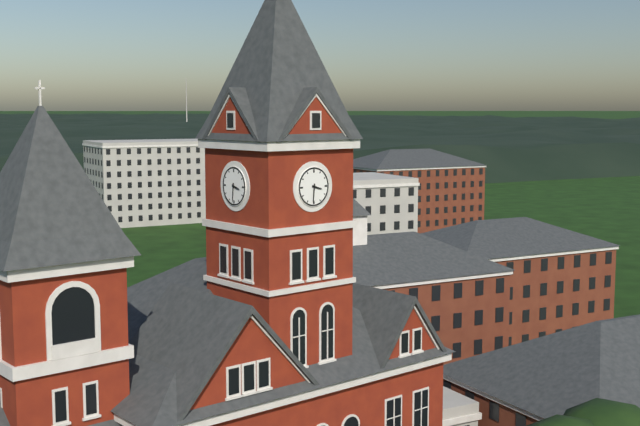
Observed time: 3:31
